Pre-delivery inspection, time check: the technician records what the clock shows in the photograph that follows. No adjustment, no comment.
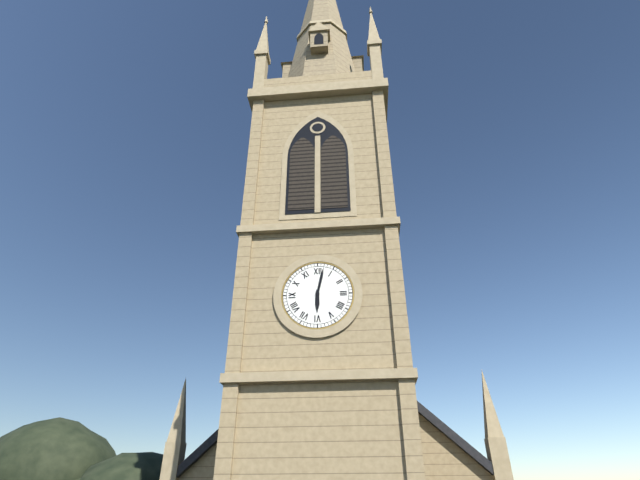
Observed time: 6:02
